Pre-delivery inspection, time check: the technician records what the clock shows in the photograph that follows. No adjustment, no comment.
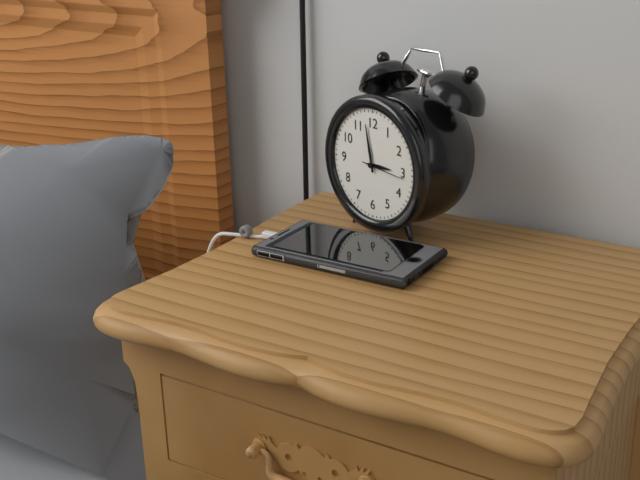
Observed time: 2:58
